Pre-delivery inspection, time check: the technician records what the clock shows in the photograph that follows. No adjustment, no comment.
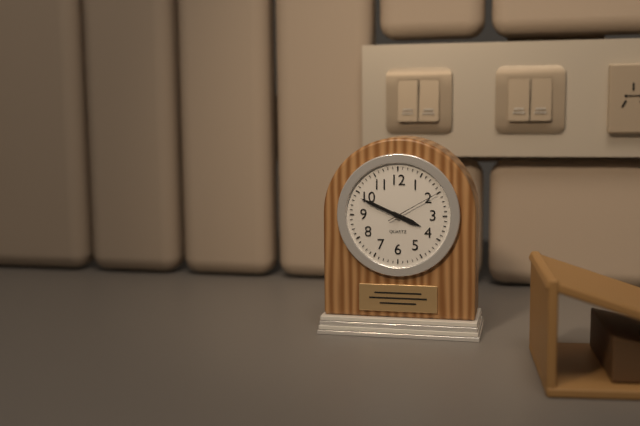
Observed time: 3:49:10
